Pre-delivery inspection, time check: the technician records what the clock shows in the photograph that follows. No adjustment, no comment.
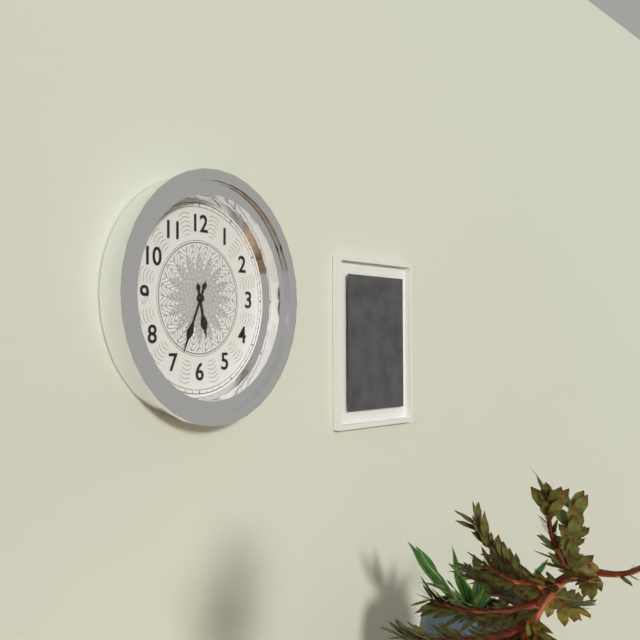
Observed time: 5:34
